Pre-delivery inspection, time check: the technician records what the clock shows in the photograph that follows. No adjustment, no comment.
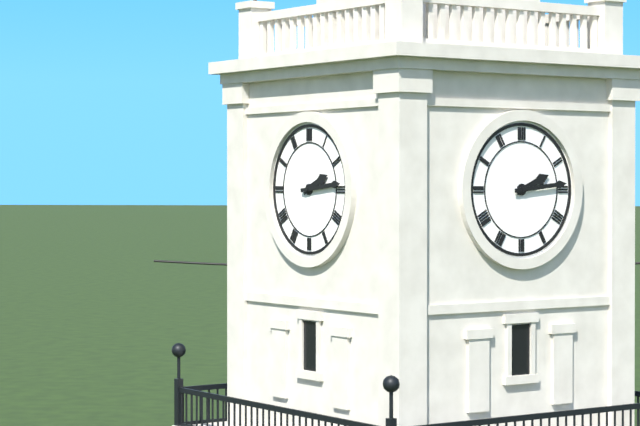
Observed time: 2:14
